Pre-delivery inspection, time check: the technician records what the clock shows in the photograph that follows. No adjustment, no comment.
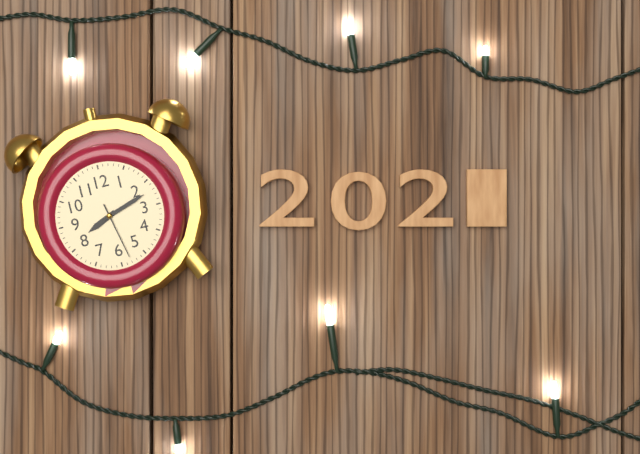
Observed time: 8:12:28
